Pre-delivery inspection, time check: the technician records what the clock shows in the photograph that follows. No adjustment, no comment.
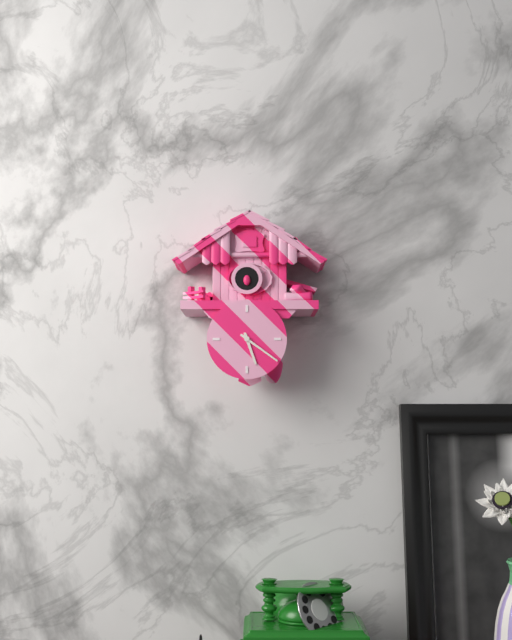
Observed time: 5:21
